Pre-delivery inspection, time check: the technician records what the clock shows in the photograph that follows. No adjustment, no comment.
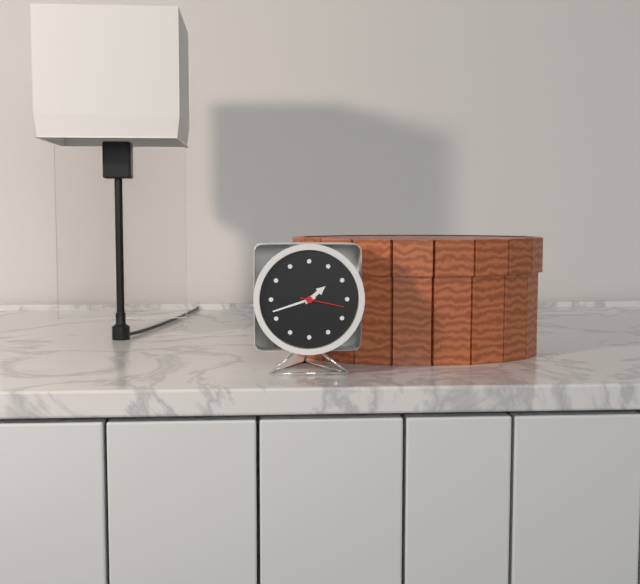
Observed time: 1:42
